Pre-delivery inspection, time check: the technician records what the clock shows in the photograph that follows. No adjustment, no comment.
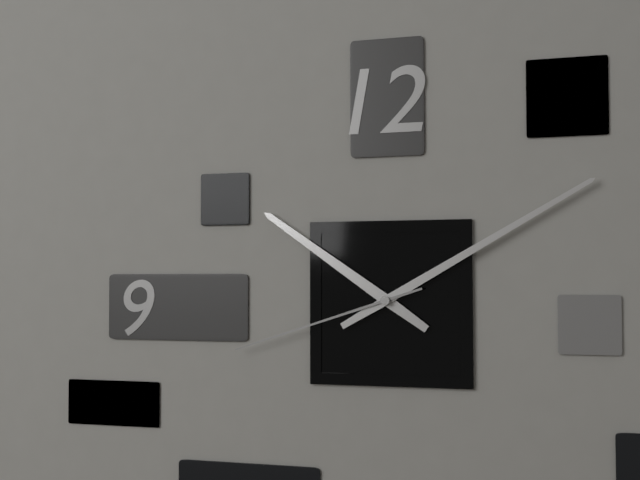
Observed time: 10:10:42
